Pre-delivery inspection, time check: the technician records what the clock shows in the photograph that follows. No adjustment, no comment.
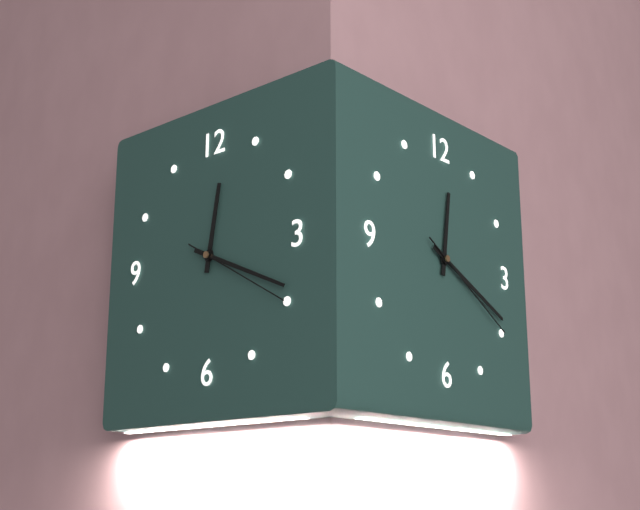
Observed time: 12:19:20
